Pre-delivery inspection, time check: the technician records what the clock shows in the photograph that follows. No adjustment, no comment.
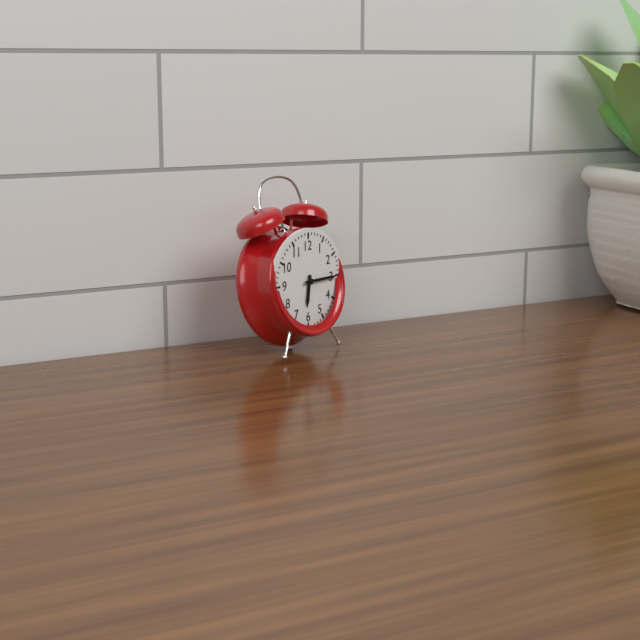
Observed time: 6:15
